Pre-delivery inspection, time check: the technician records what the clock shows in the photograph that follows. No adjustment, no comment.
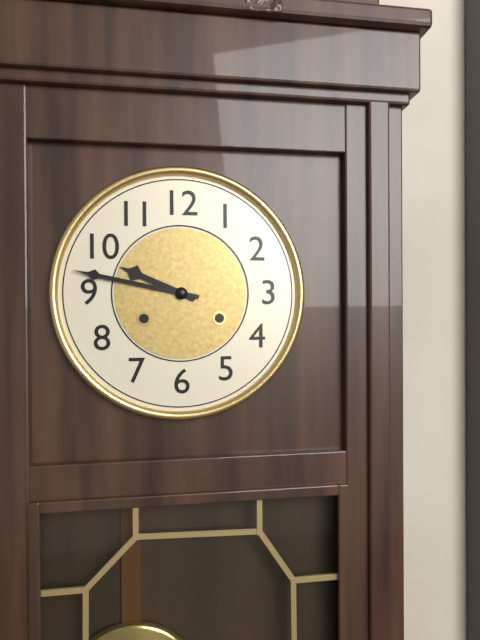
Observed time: 9:47
